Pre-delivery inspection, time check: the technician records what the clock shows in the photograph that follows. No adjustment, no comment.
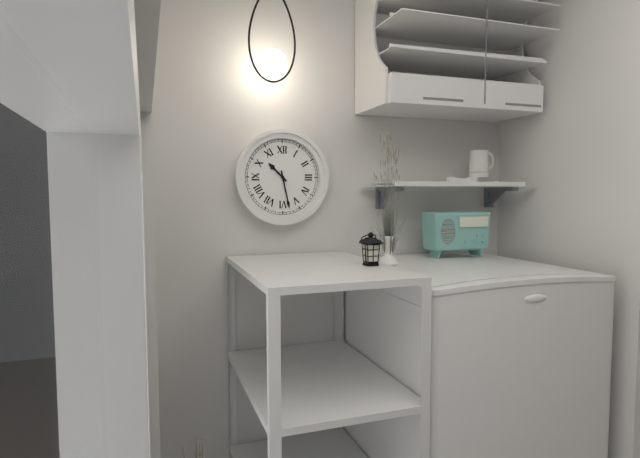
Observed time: 10:28
